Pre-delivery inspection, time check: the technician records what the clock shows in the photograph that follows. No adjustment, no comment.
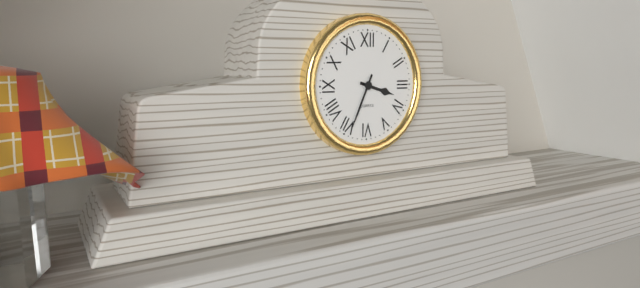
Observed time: 3:34
